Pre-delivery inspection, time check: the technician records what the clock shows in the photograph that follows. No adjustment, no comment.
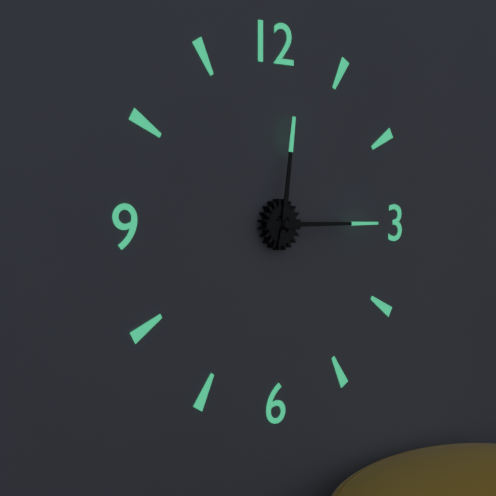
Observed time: 12:15
